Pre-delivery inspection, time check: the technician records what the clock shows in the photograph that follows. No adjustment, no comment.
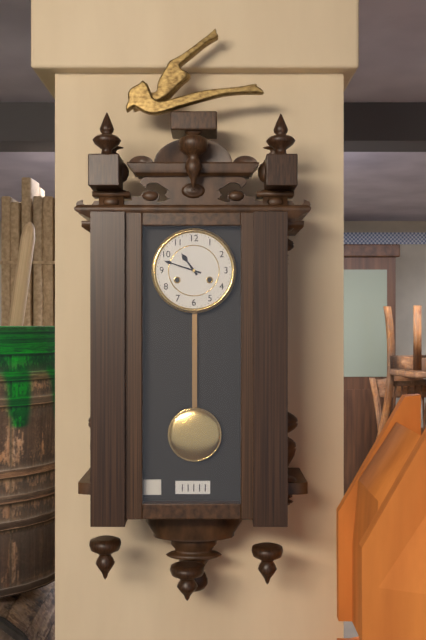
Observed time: 10:48
